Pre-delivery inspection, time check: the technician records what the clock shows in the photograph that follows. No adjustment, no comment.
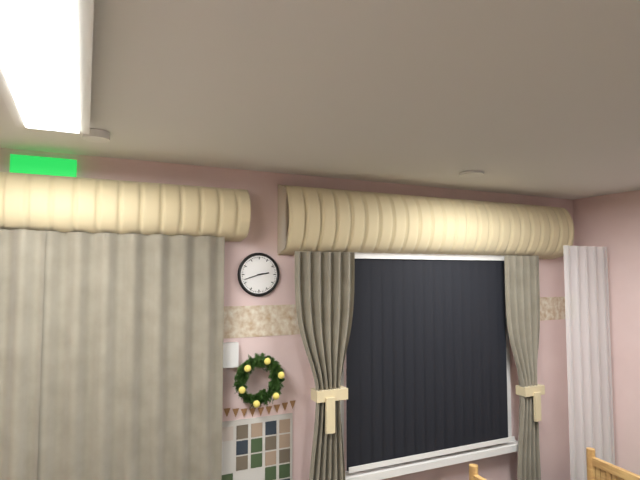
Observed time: 2:42
